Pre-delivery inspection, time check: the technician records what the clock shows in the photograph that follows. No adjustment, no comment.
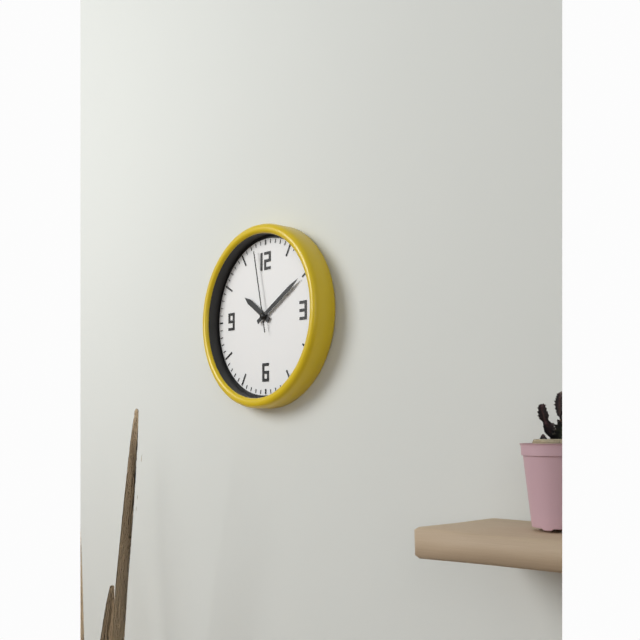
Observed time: 10:10:58
